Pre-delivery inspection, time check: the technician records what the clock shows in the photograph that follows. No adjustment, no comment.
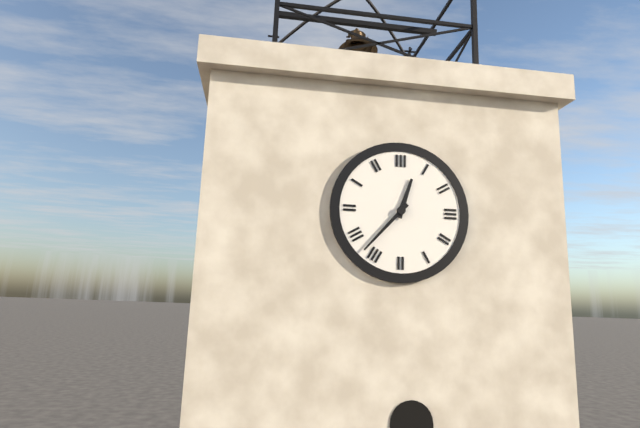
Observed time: 12:37
